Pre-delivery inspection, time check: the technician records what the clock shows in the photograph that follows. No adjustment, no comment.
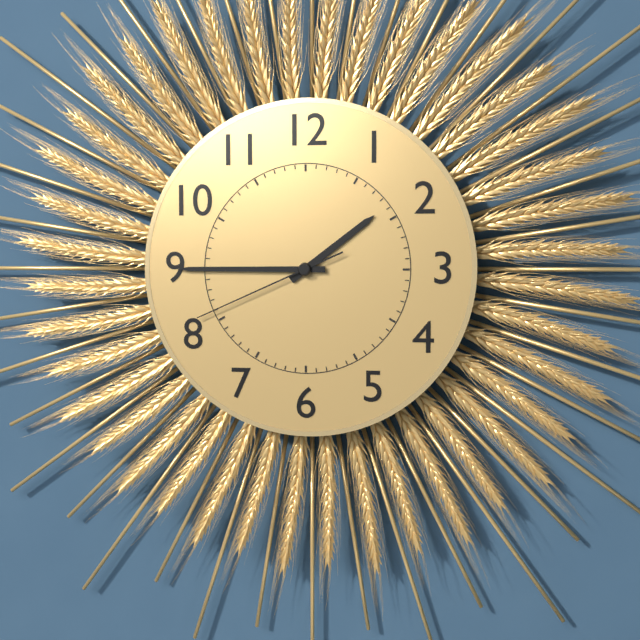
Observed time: 1:45:41
